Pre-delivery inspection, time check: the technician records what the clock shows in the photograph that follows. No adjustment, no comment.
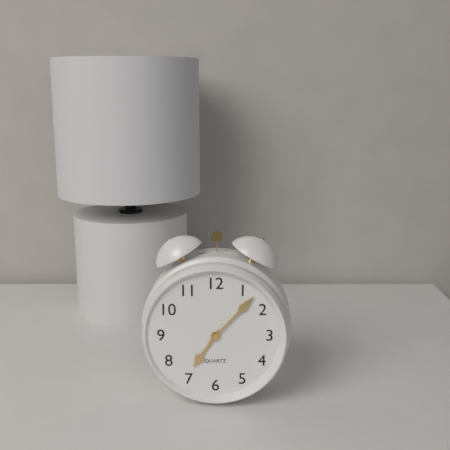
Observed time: 7:07
